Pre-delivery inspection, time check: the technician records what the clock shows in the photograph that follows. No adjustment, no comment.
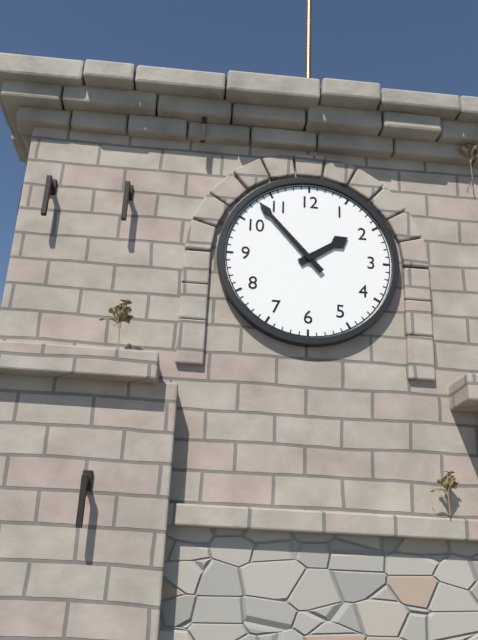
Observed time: 1:53
